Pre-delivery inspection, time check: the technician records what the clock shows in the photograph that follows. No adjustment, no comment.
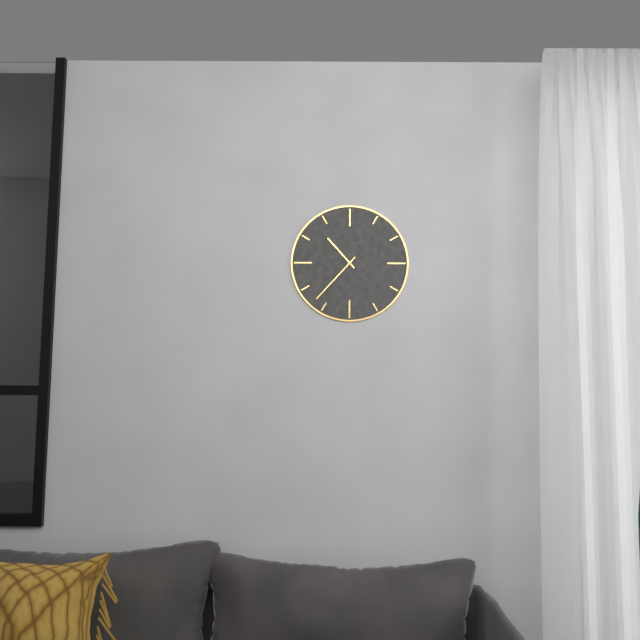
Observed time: 10:37
